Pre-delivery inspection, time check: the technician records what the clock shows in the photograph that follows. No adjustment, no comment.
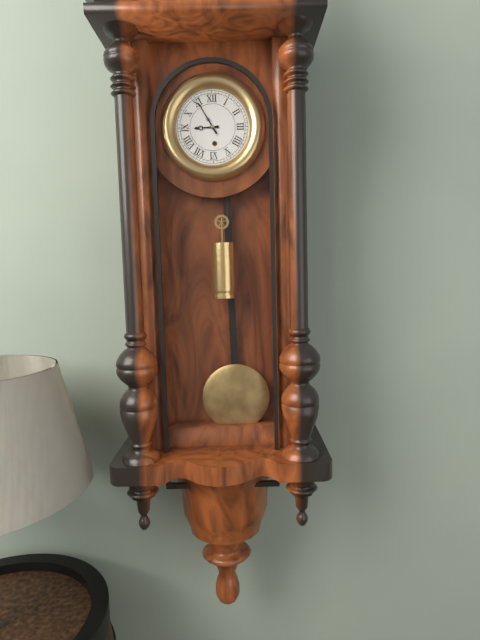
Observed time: 8:55
